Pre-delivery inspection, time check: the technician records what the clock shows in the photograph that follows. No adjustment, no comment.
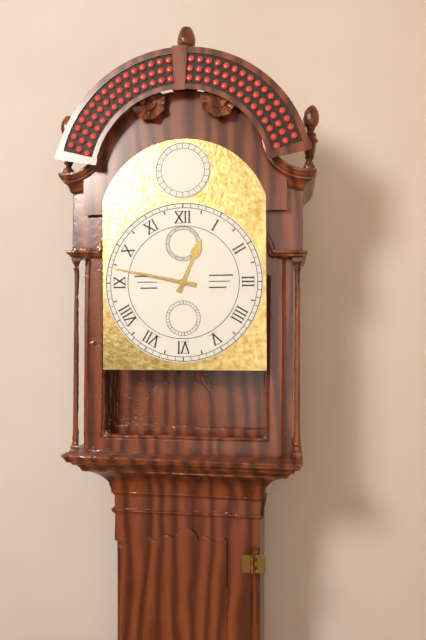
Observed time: 12:47
